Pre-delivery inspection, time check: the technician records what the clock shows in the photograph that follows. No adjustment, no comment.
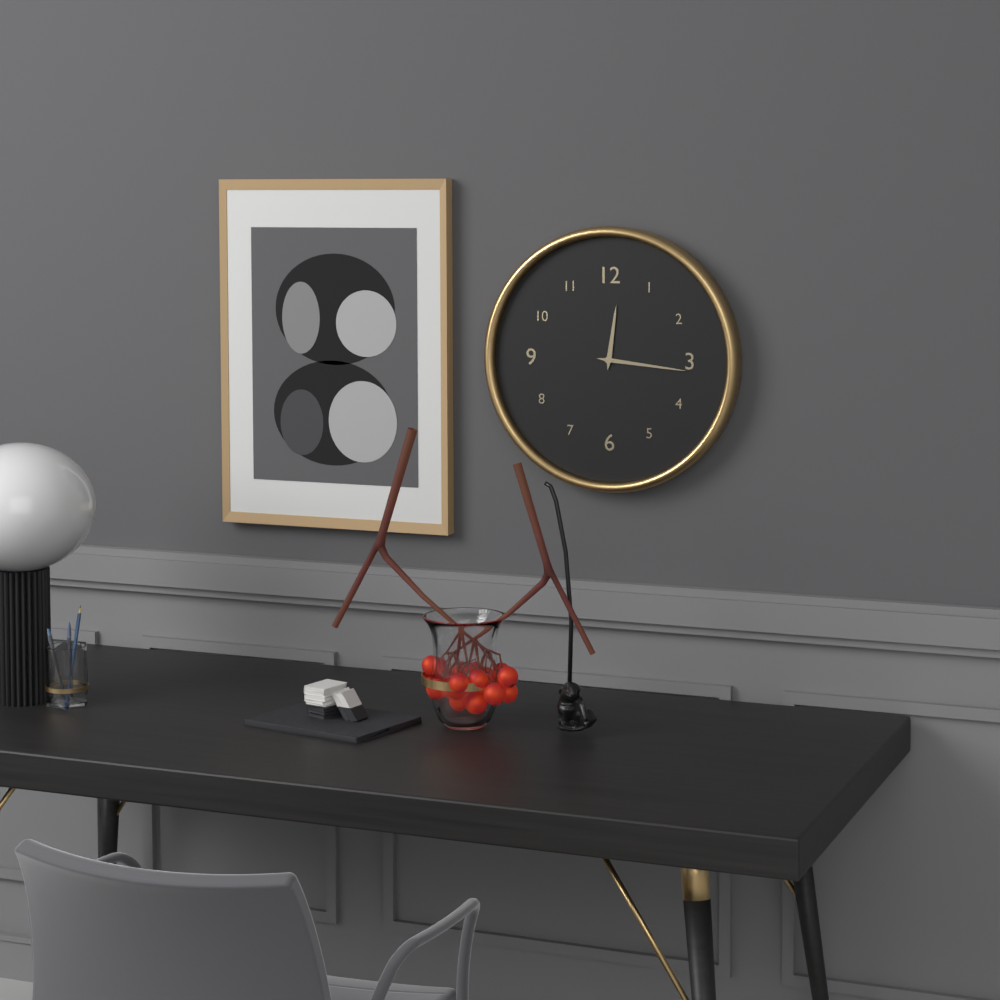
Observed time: 12:16
